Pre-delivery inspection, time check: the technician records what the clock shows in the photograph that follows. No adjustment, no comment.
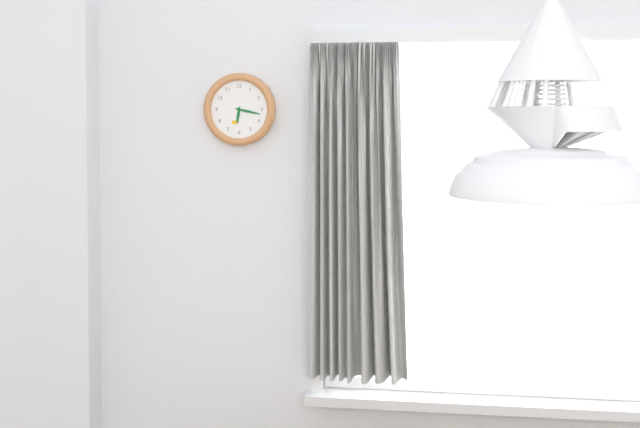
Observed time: 6:17
